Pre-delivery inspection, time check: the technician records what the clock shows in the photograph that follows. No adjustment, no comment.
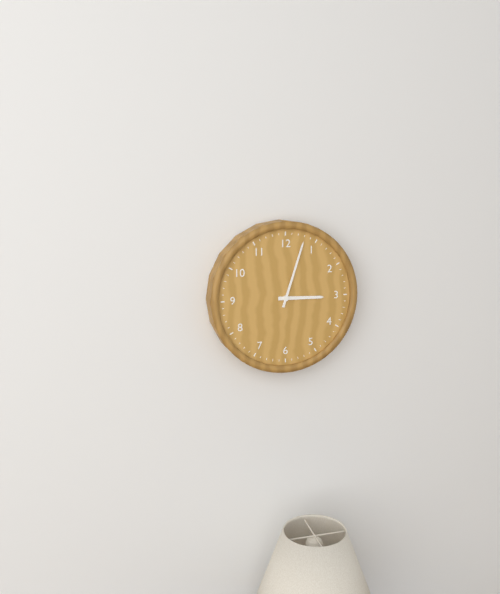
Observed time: 3:03
